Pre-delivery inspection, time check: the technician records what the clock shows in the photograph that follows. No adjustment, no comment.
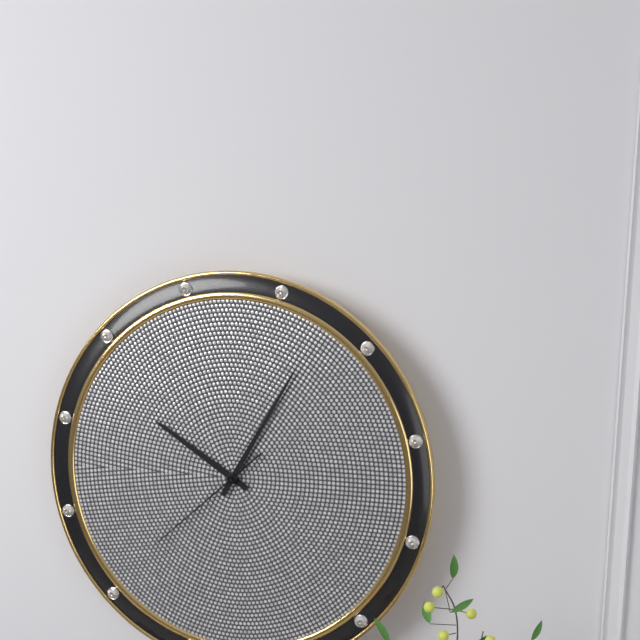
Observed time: 10:05:38
